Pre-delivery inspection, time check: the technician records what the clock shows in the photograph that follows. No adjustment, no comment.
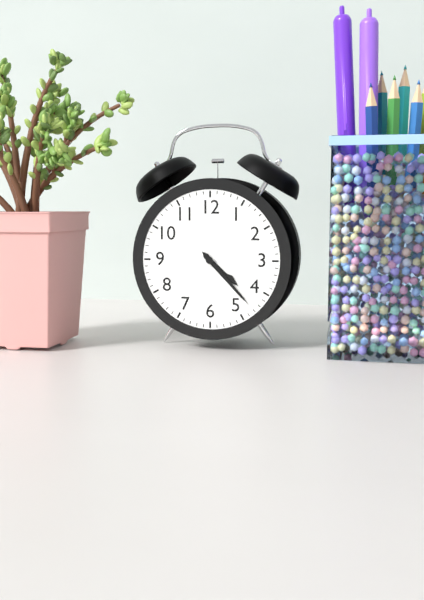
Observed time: 4:23
